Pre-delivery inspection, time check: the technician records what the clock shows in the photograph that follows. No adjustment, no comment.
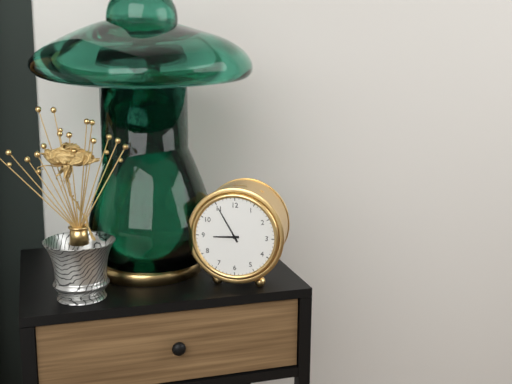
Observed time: 8:55
